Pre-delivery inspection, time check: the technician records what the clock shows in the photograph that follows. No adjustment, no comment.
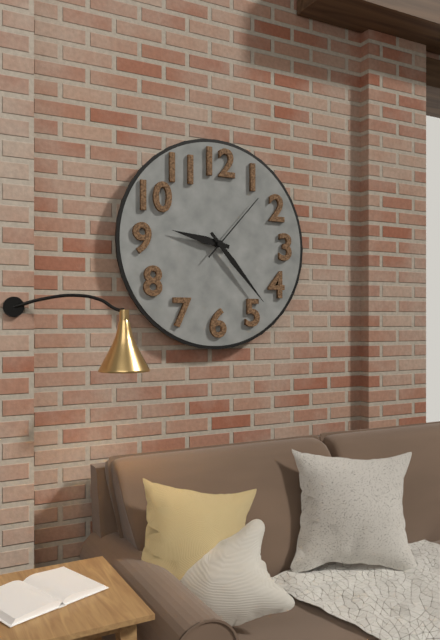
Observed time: 9:23:07
